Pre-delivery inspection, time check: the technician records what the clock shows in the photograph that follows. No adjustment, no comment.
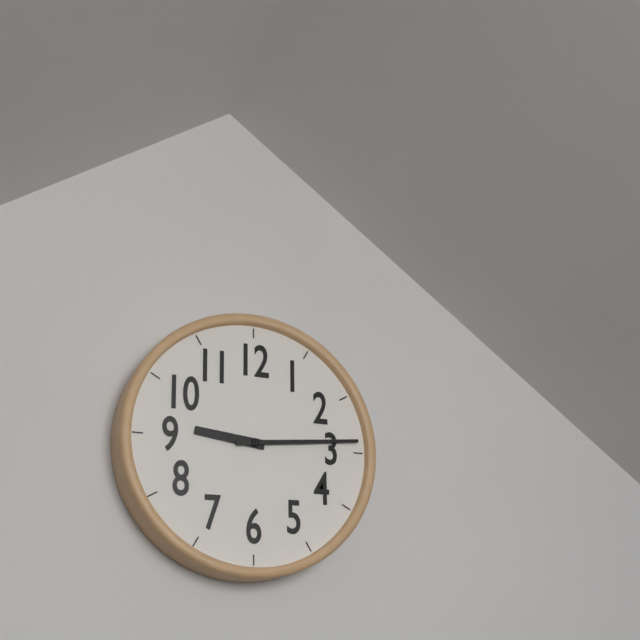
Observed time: 9:14
